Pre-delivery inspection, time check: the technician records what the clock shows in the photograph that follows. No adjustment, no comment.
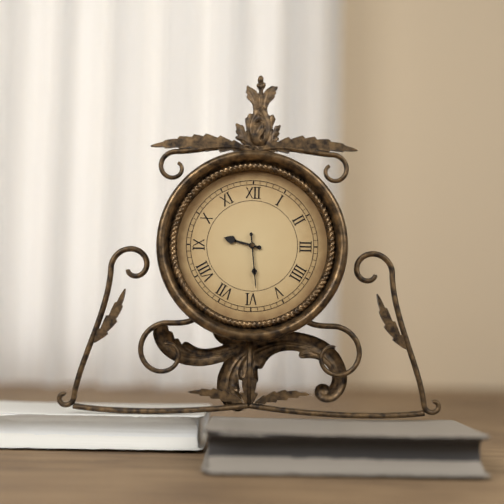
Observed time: 9:29
